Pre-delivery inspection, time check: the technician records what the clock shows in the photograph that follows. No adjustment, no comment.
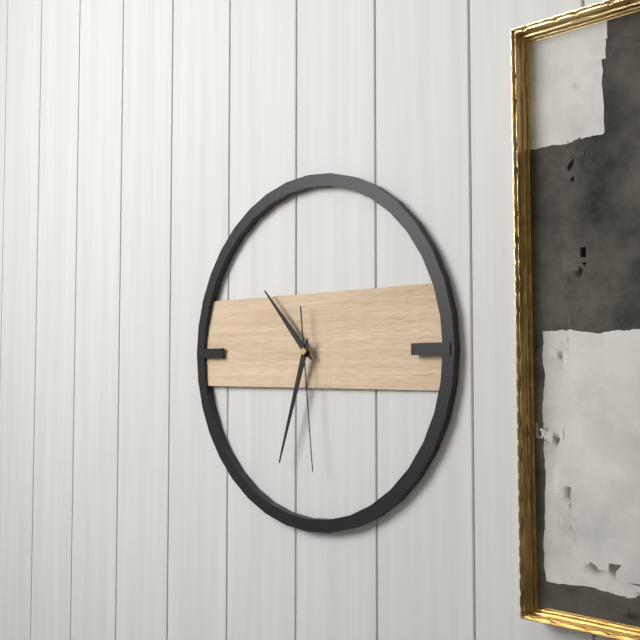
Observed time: 10:33:29
